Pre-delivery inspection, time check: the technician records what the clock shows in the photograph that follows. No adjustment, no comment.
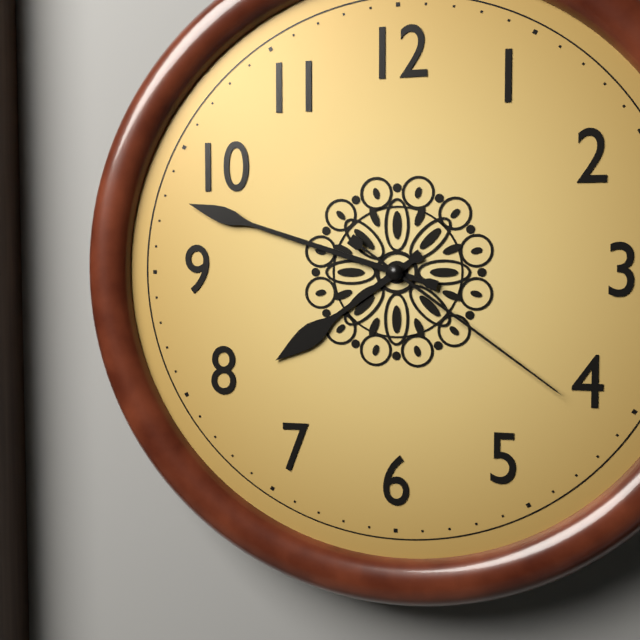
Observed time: 7:48:21
